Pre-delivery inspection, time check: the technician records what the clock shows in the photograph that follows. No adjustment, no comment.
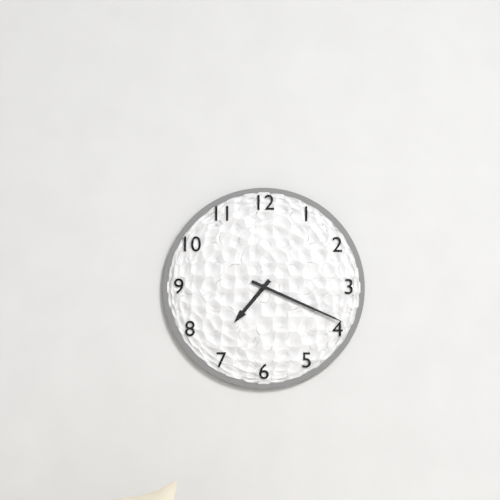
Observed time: 7:19
